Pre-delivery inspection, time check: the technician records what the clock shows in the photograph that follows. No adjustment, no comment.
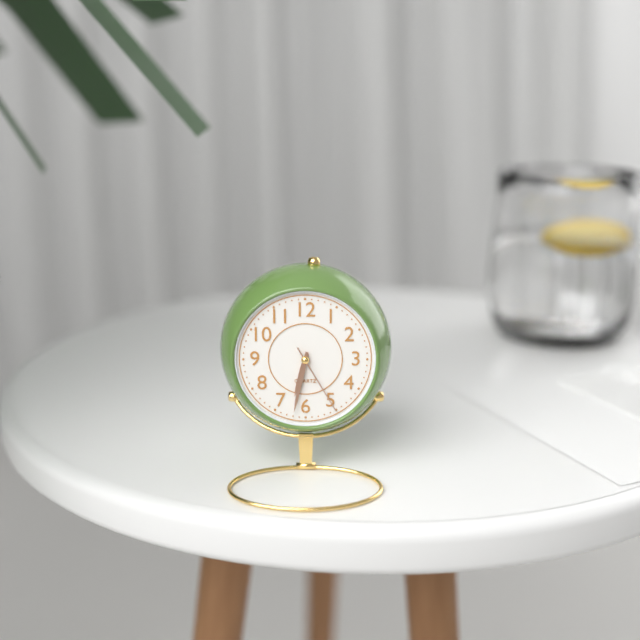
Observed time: 6:32:25
